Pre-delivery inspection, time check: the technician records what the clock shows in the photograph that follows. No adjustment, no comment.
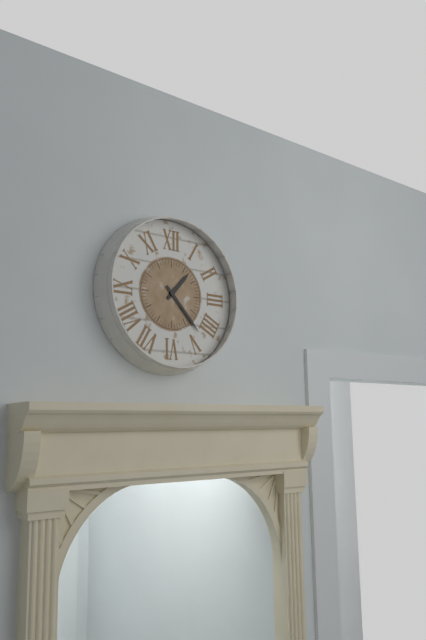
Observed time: 1:23
